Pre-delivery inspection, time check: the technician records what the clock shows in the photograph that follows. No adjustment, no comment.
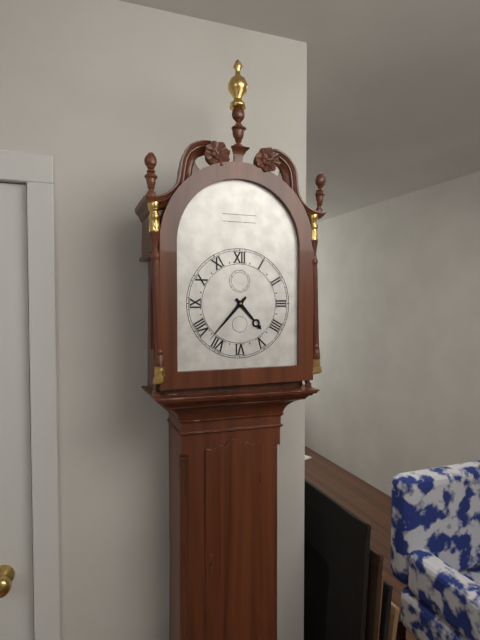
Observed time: 4:37
